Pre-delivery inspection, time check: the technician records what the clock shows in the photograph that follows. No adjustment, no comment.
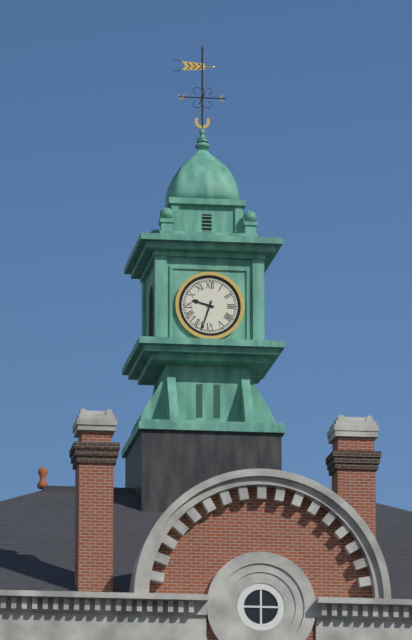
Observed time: 9:33
